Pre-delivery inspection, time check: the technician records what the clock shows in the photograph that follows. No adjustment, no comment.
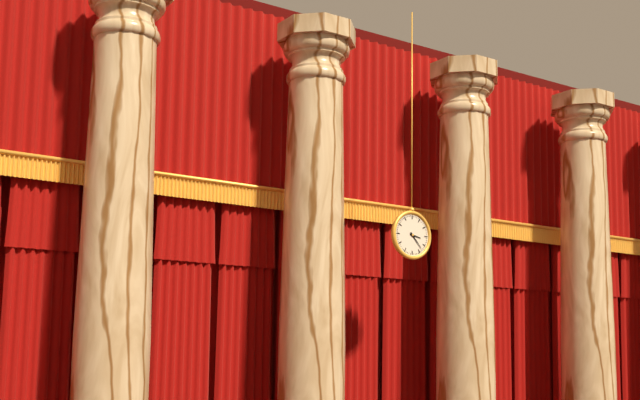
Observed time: 3:23
